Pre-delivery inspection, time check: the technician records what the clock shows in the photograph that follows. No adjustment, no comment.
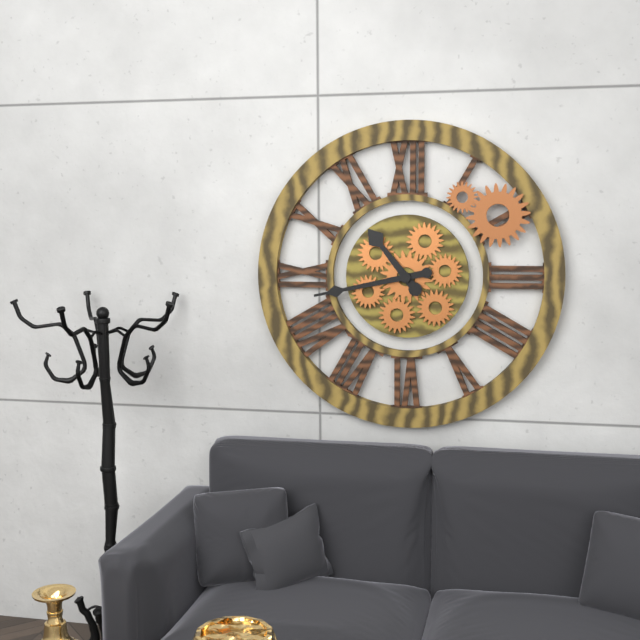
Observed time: 10:43
